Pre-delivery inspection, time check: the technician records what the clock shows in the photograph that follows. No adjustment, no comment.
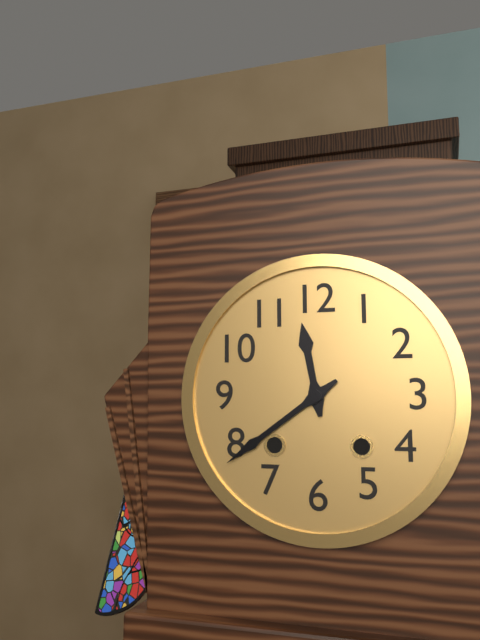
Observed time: 11:39
